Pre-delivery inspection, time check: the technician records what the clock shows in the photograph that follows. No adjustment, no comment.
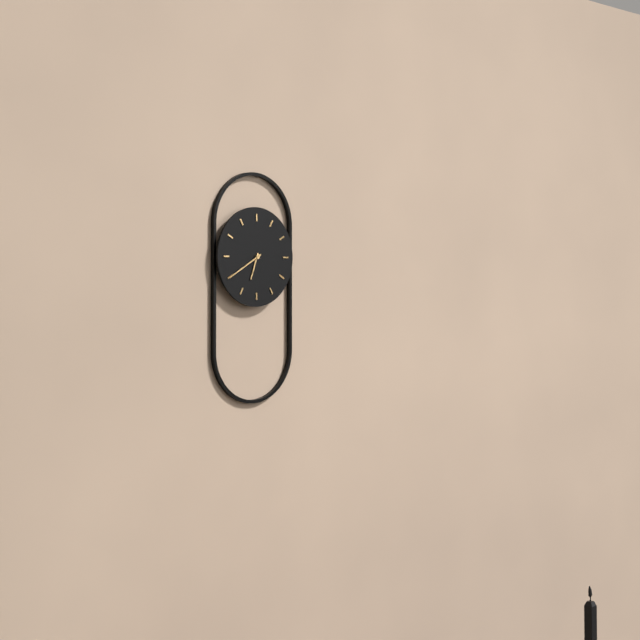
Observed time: 6:40
